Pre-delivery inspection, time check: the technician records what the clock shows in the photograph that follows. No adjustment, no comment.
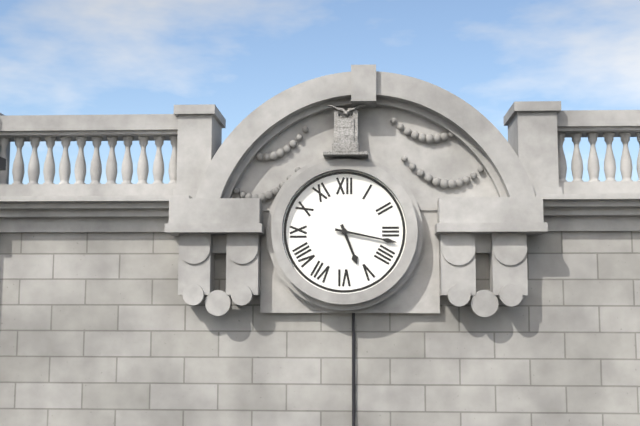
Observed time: 5:17
